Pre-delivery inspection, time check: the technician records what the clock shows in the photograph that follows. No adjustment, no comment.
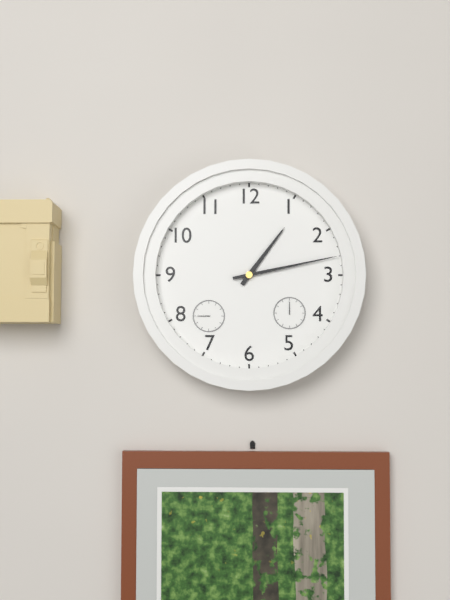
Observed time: 1:13
